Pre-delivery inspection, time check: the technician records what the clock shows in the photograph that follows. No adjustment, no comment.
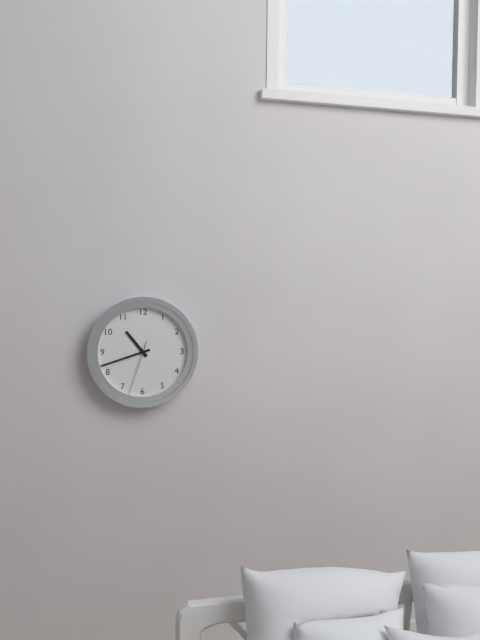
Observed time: 10:42:33
